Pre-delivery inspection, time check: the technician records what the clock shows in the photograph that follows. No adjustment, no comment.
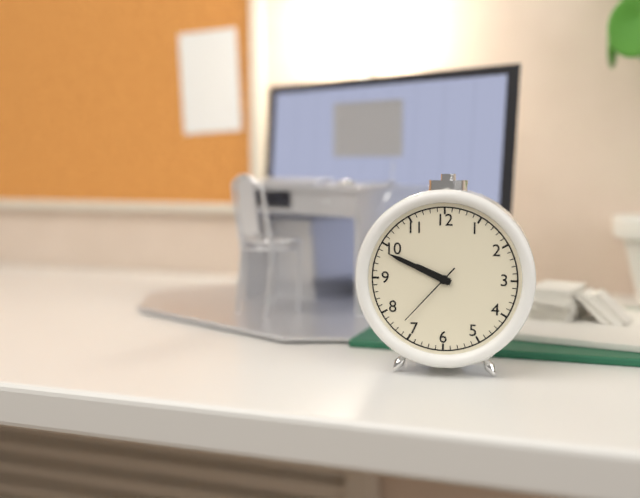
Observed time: 9:49:37
